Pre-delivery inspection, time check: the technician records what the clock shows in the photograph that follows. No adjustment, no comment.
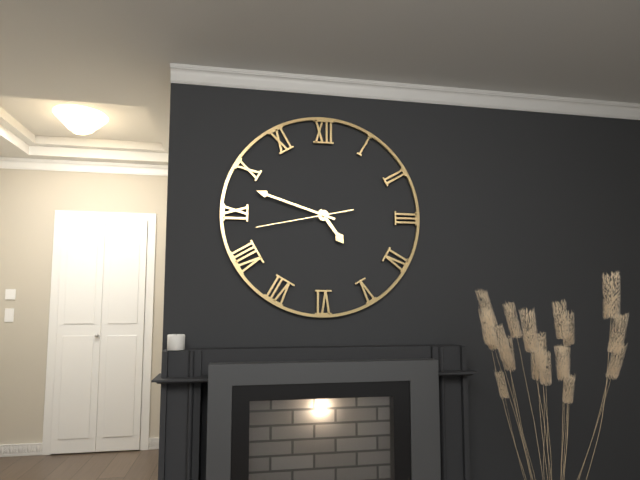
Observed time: 4:48:43
